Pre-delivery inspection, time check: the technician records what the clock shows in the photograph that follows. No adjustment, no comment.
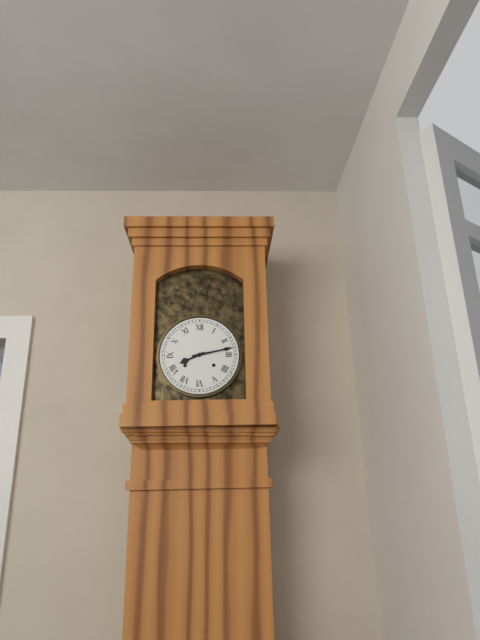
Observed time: 8:13
